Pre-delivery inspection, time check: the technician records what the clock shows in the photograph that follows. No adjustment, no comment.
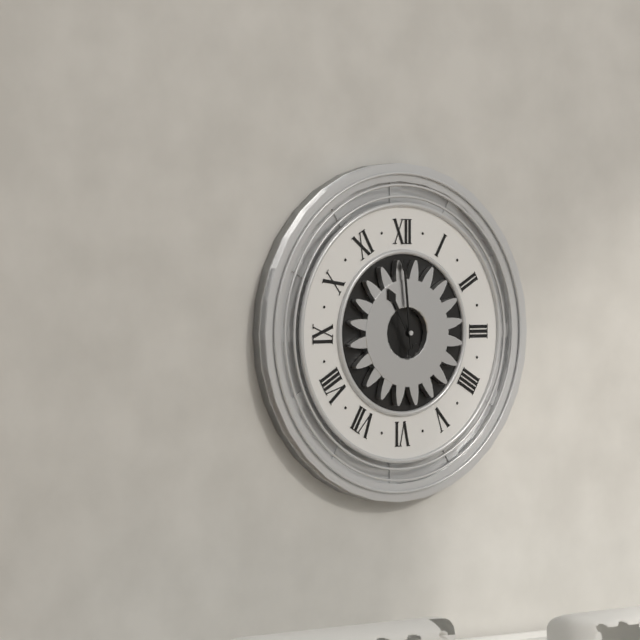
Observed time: 10:59
